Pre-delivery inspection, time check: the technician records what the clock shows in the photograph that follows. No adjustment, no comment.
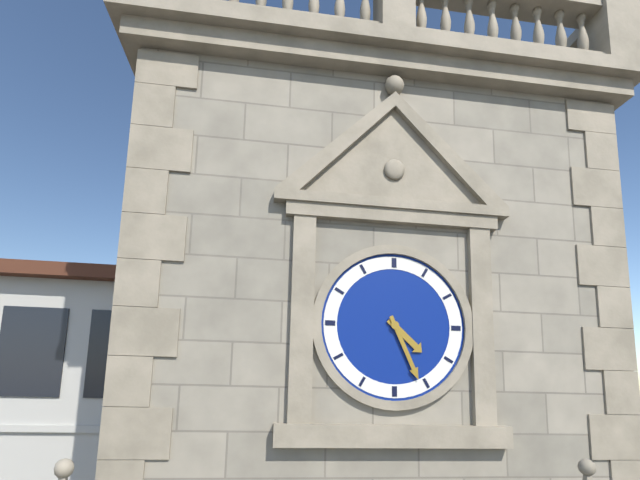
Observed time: 4:26
